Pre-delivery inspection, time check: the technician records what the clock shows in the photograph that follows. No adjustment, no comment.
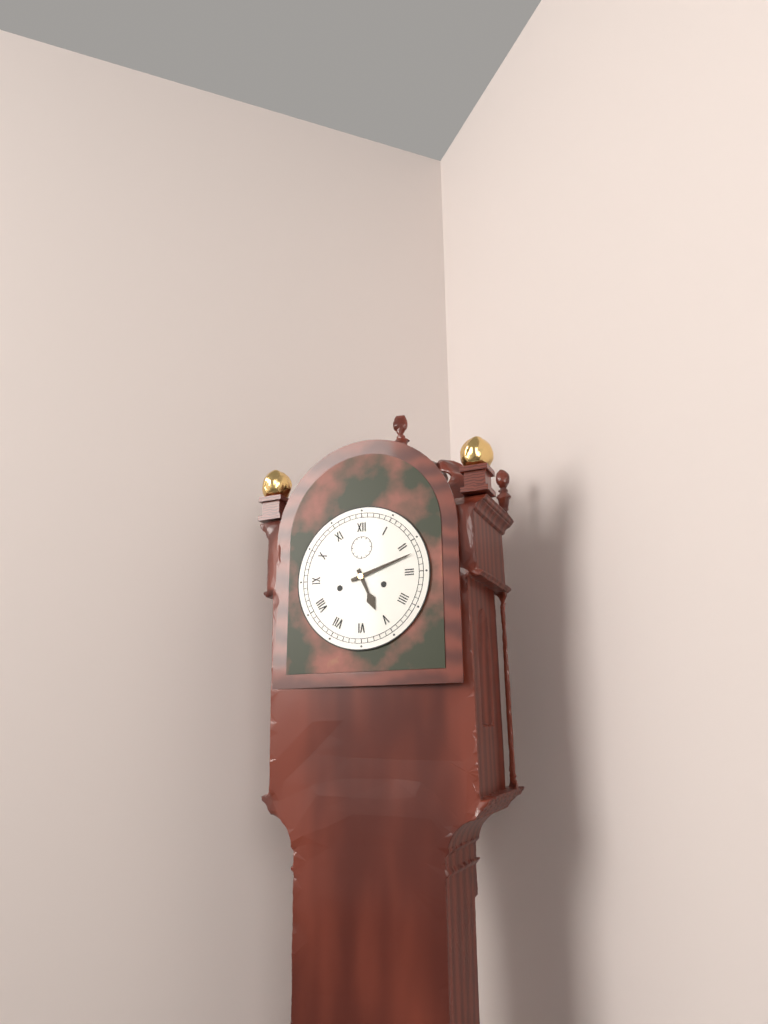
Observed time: 5:12
